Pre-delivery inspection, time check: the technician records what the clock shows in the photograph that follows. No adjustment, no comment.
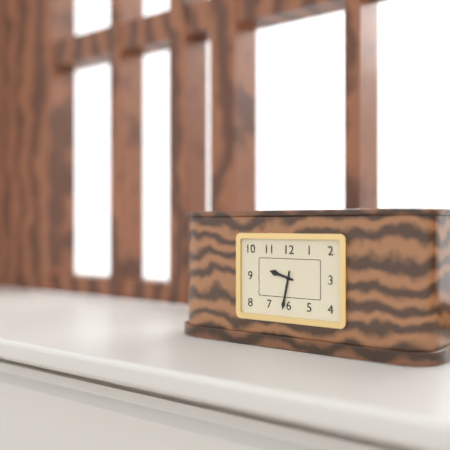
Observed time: 9:32
